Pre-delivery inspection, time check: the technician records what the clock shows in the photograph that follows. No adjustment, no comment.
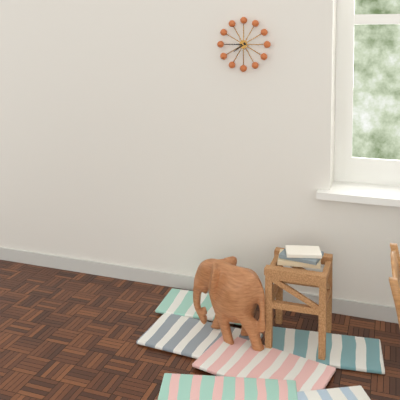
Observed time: 7:45
